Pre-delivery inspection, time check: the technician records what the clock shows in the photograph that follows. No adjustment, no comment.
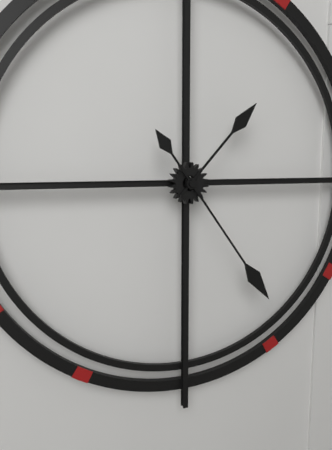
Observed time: 1:24
